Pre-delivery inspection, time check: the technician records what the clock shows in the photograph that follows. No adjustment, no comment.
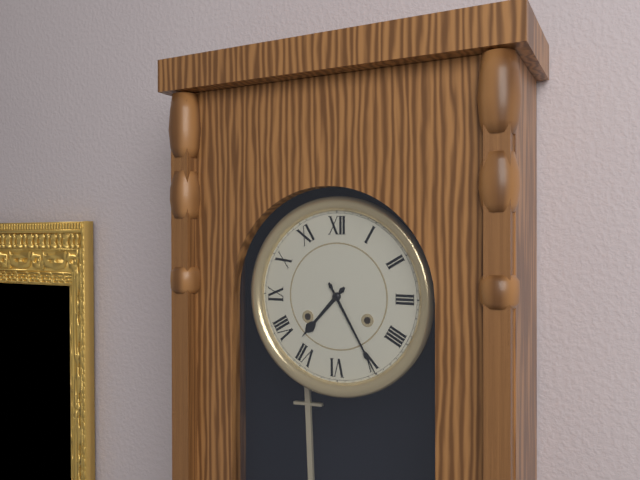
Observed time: 7:25
